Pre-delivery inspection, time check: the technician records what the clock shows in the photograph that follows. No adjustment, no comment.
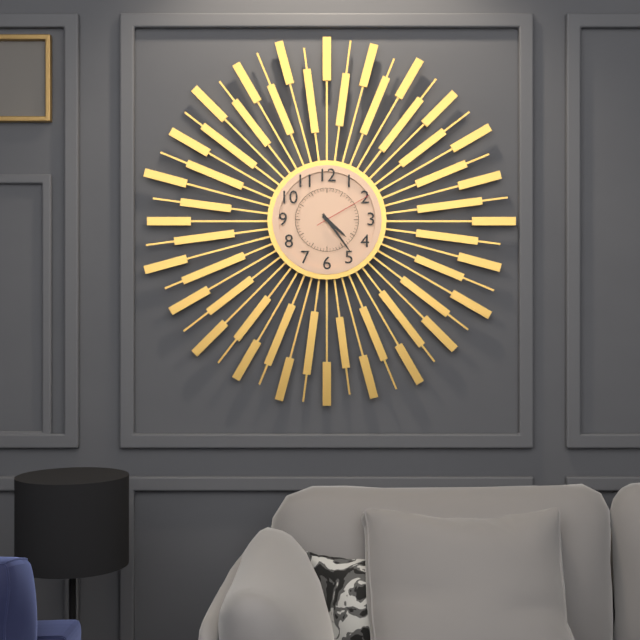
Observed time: 4:24:10
